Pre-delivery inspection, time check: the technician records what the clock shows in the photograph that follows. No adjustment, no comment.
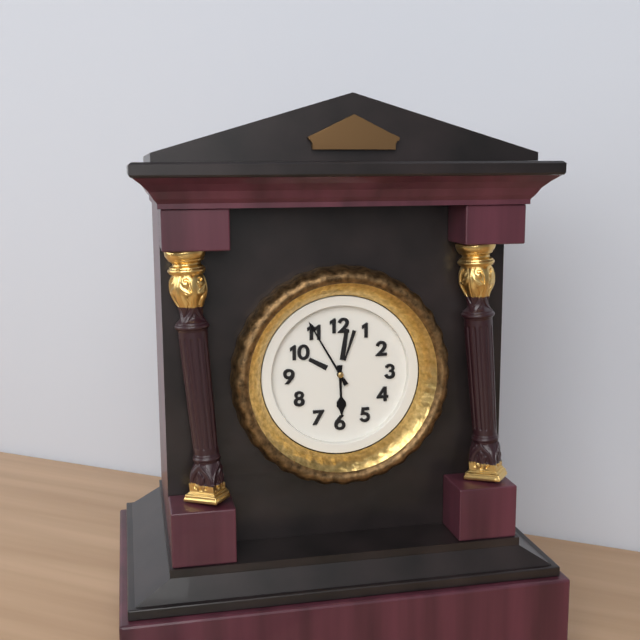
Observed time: 5:55
